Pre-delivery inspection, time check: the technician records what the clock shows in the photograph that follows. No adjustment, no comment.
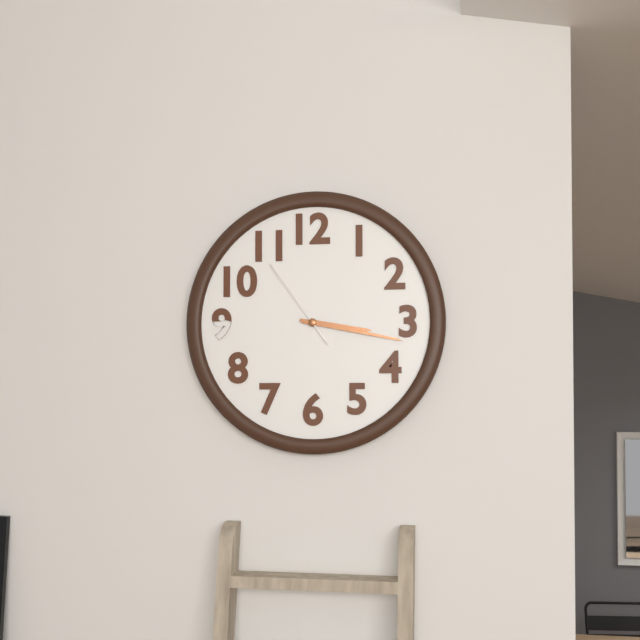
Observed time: 3:17:54
